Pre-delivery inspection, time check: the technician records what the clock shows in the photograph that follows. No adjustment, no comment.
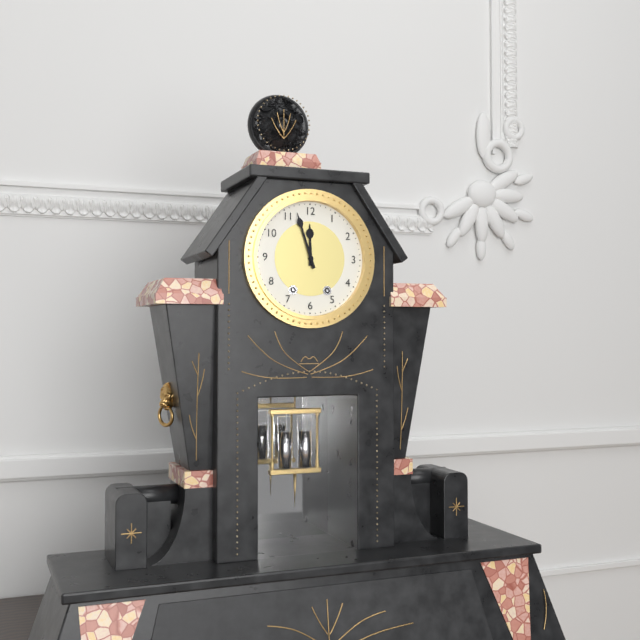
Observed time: 11:57
